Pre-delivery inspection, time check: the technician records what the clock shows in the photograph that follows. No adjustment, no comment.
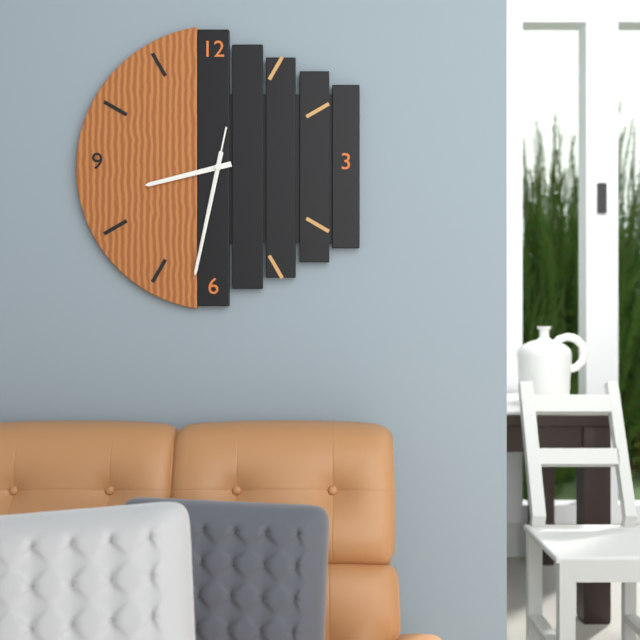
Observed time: 8:32:32
